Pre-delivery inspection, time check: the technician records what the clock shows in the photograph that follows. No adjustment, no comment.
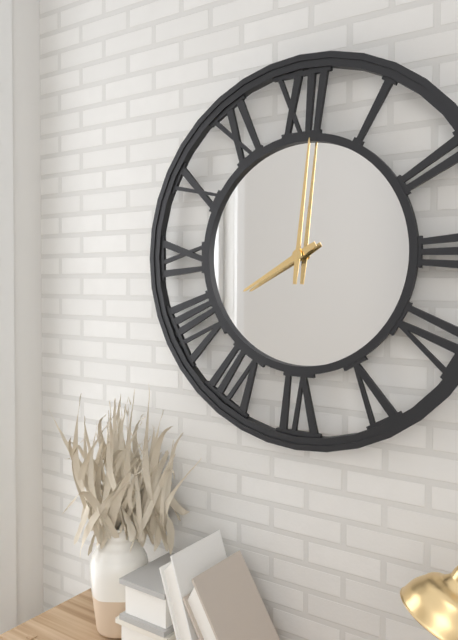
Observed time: 8:01
